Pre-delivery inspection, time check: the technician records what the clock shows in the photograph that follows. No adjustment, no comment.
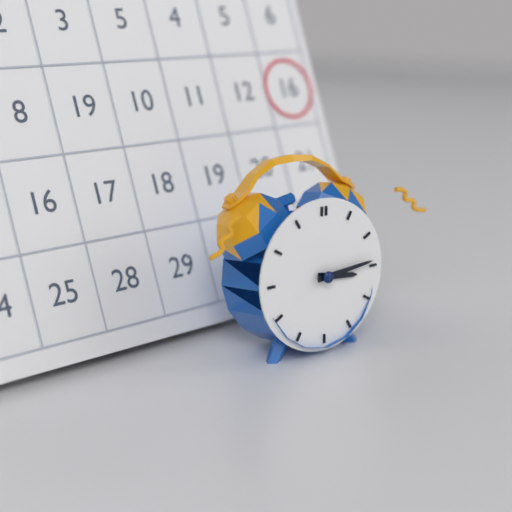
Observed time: 3:14
